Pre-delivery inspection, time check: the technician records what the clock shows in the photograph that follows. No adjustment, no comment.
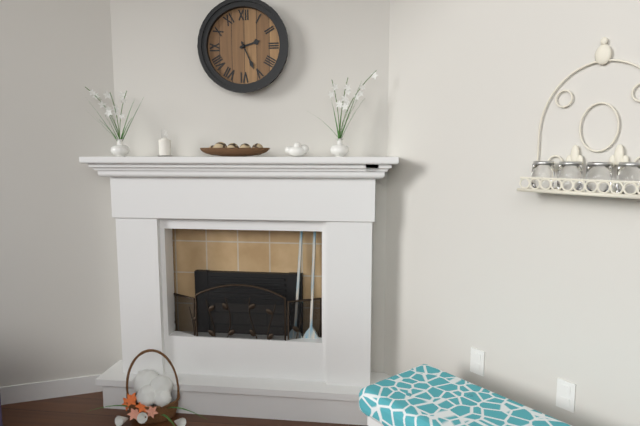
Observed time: 2:26
